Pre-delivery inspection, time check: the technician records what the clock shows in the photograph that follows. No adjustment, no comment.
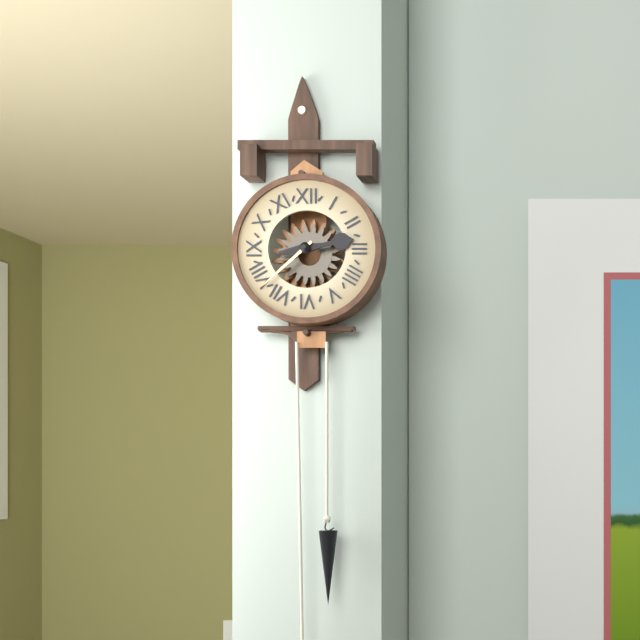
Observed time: 2:38
